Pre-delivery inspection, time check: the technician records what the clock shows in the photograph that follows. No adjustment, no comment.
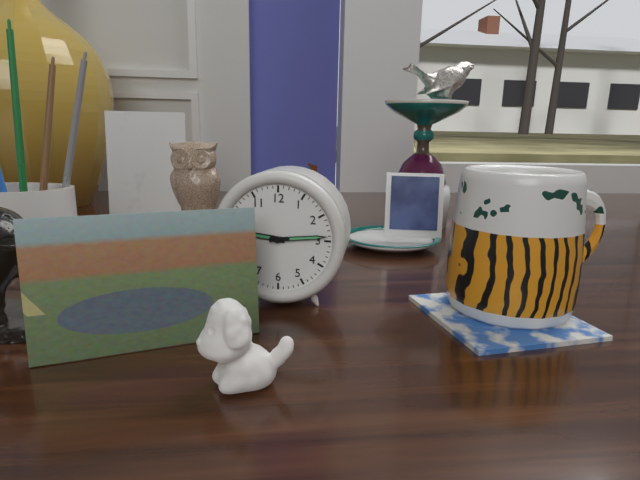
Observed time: 9:14
